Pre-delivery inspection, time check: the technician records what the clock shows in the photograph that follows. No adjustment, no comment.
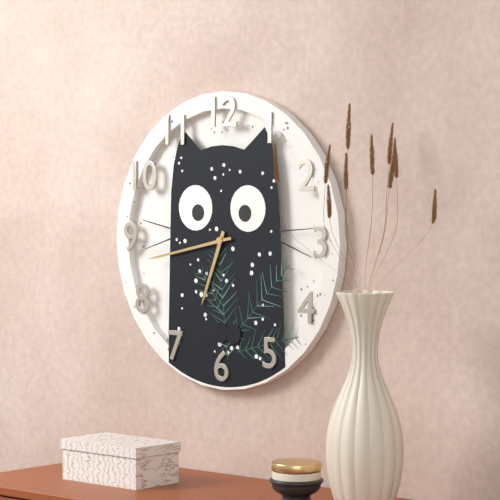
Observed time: 6:43
